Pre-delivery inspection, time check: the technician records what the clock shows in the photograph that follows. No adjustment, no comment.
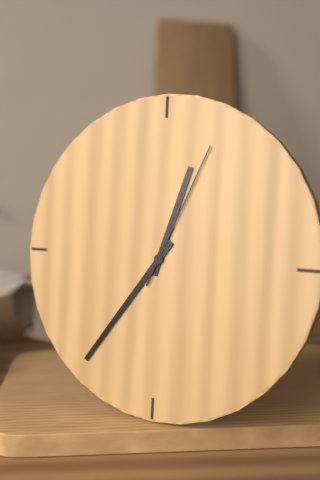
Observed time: 12:36:04
